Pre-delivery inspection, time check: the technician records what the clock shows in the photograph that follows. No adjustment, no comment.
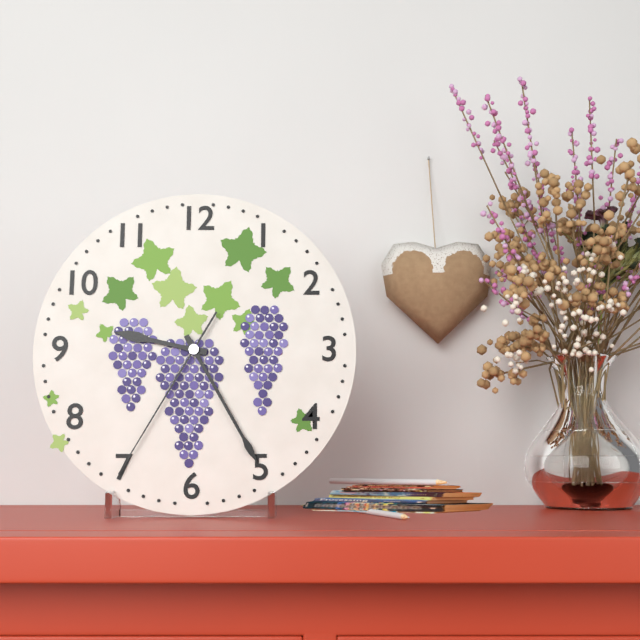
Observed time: 9:25:35
